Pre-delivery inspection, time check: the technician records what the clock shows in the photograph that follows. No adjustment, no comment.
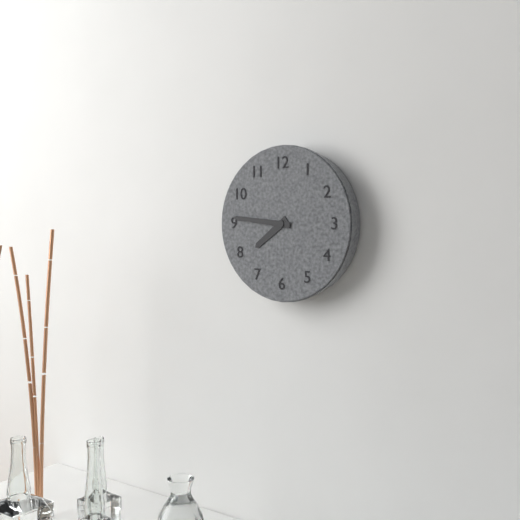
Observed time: 7:46
